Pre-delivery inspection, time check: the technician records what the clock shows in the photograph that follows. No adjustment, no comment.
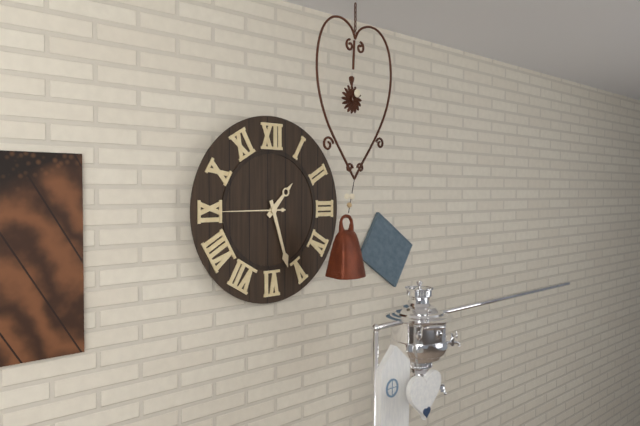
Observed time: 1:27:45
